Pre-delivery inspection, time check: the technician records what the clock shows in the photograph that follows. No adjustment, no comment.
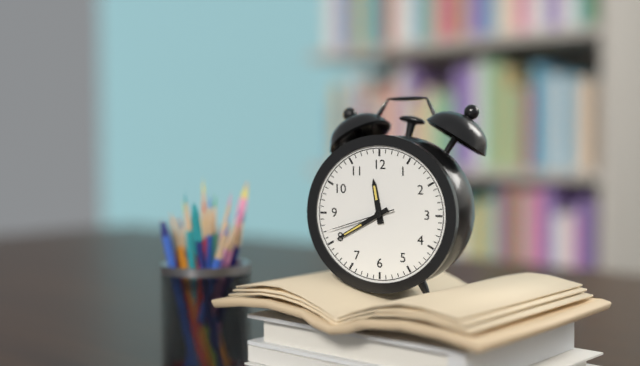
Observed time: 11:40:42
